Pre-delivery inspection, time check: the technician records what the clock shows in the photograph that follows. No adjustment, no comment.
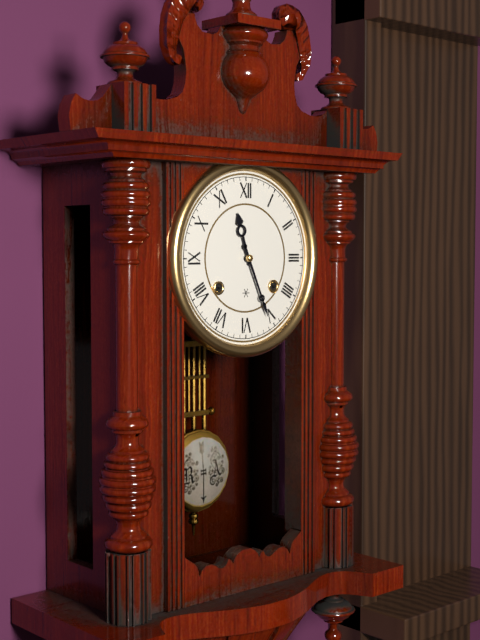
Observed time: 11:26
